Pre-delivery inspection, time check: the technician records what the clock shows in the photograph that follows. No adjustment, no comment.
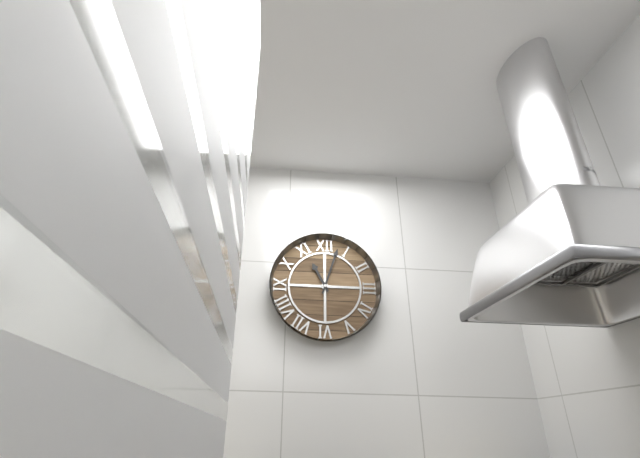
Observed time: 11:03
